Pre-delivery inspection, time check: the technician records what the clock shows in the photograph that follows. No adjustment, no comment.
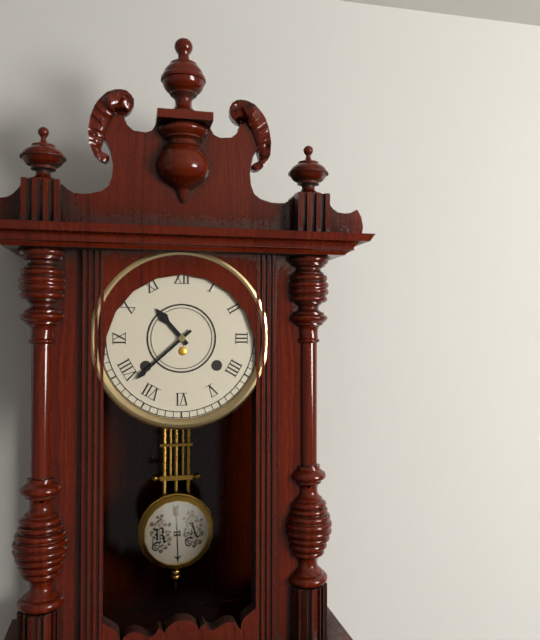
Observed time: 10:38
